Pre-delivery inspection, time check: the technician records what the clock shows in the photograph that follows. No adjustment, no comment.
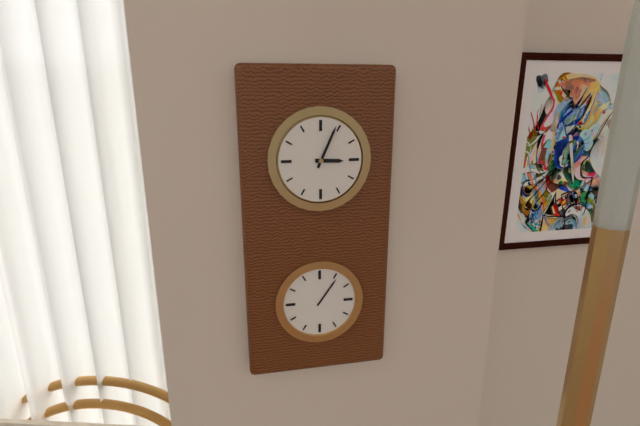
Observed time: 3:04
